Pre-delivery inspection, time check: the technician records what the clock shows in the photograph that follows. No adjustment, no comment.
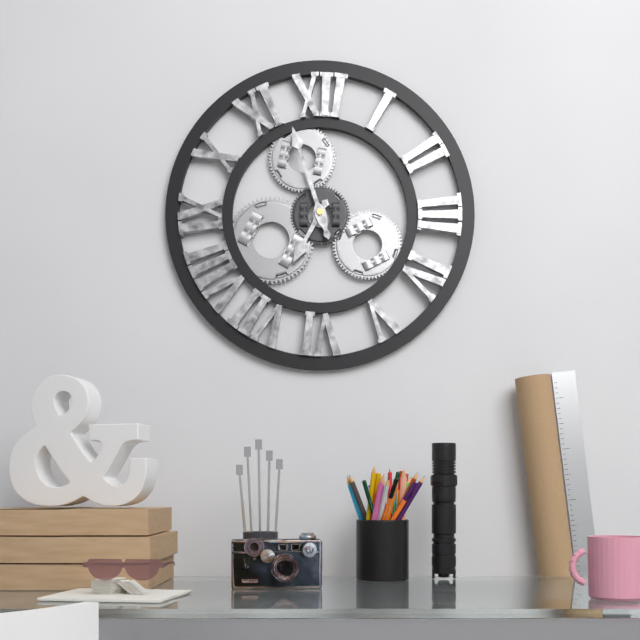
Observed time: 6:57
